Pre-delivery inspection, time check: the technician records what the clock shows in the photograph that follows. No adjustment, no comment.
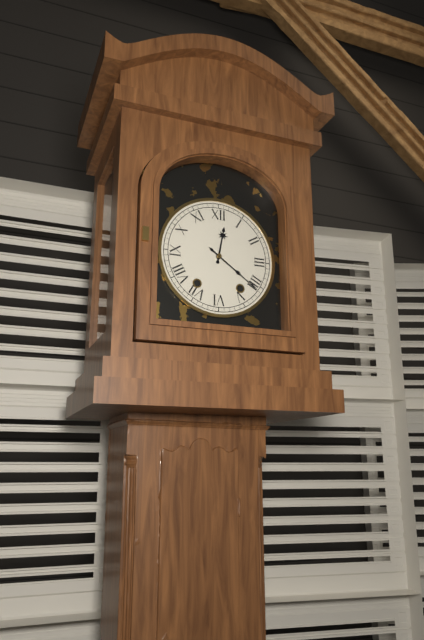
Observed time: 12:21
